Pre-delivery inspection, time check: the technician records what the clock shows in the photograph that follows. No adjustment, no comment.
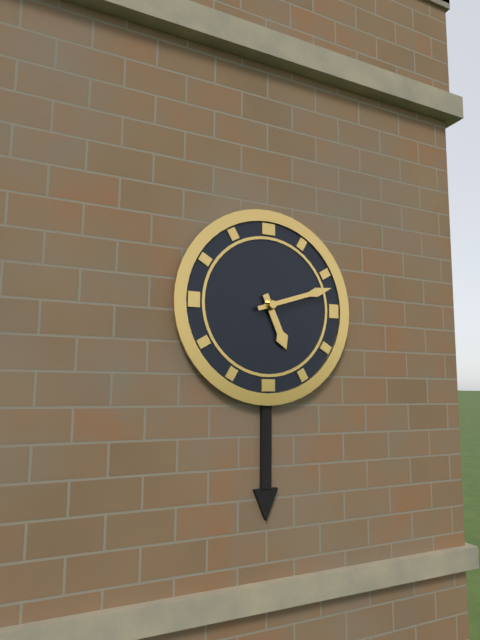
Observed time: 5:12
